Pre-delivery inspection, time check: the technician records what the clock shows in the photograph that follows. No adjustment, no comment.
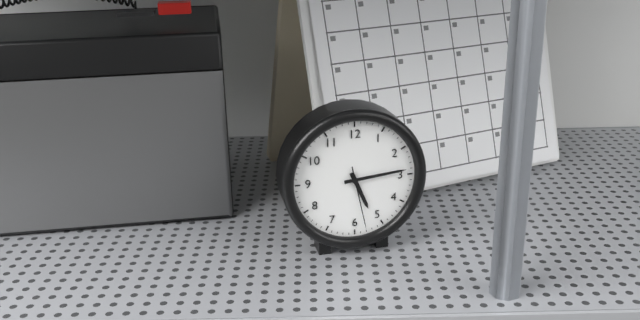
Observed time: 5:14:28
